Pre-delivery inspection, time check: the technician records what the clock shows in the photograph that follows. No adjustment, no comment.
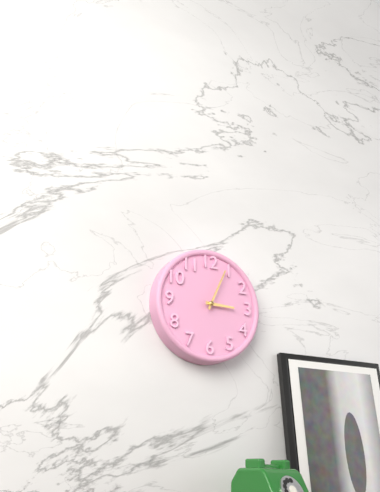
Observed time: 3:04
